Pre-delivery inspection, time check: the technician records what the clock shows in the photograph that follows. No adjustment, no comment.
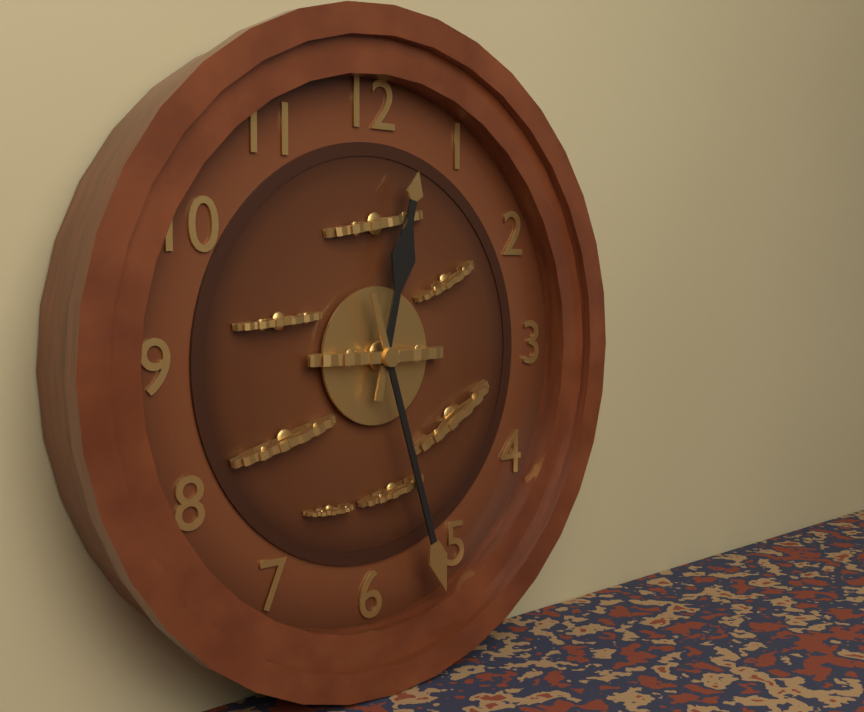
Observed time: 12:27
